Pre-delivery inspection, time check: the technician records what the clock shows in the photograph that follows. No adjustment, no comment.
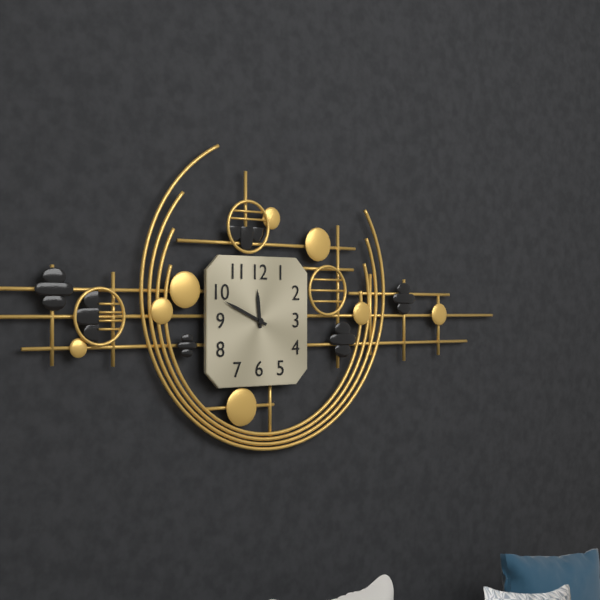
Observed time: 11:49
